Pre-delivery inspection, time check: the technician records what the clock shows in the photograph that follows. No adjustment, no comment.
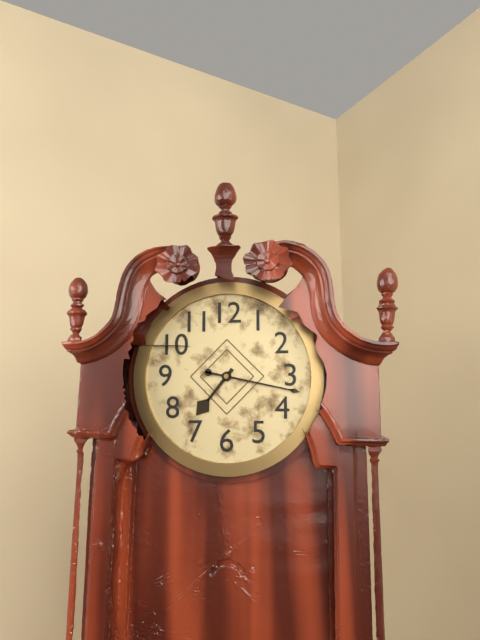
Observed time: 7:17
